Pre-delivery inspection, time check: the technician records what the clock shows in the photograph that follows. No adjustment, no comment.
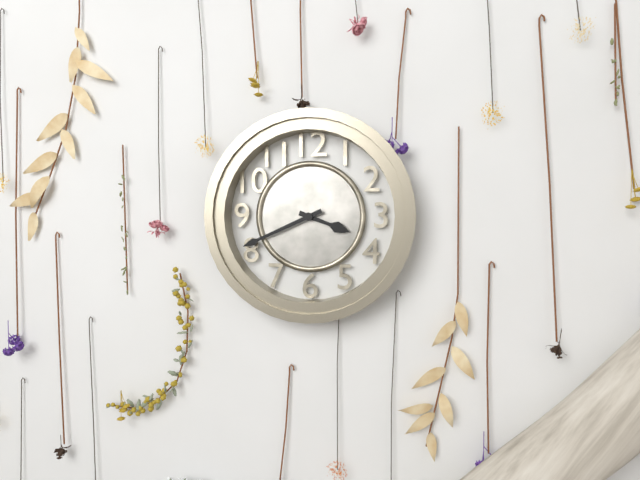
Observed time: 3:41
